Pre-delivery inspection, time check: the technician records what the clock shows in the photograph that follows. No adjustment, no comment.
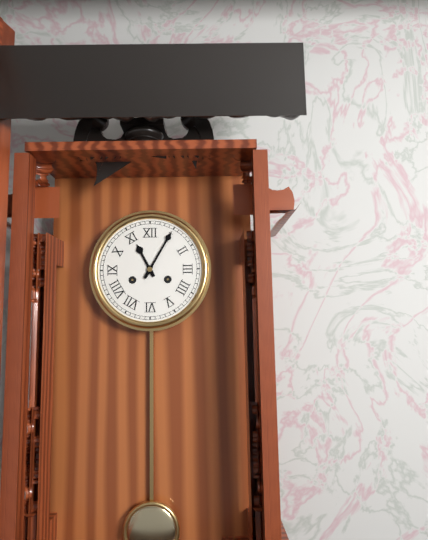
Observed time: 11:05
